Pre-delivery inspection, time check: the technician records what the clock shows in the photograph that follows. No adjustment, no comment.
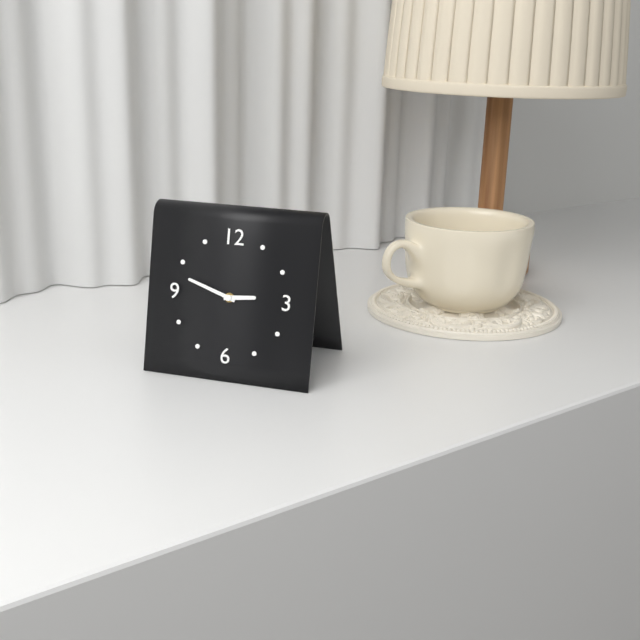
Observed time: 2:48
